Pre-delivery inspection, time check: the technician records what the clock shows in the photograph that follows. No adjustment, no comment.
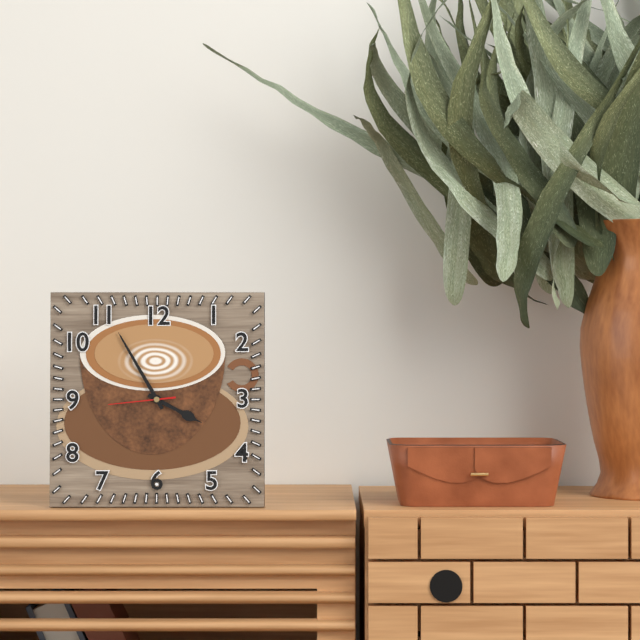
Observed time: 3:55:44
